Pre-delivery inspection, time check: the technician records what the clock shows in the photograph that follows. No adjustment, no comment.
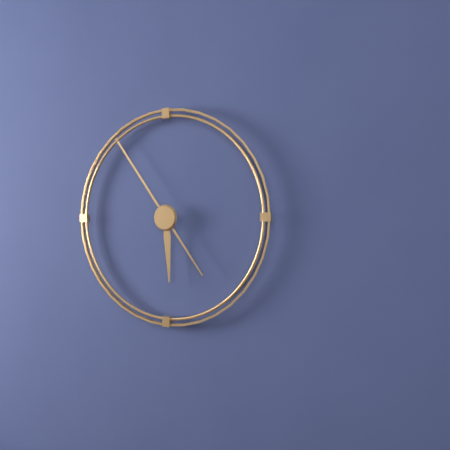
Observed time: 5:54
